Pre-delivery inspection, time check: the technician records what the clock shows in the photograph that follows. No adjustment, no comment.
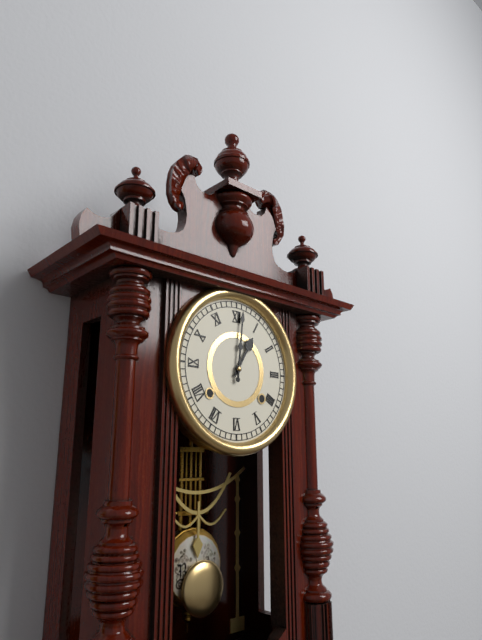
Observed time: 1:01
